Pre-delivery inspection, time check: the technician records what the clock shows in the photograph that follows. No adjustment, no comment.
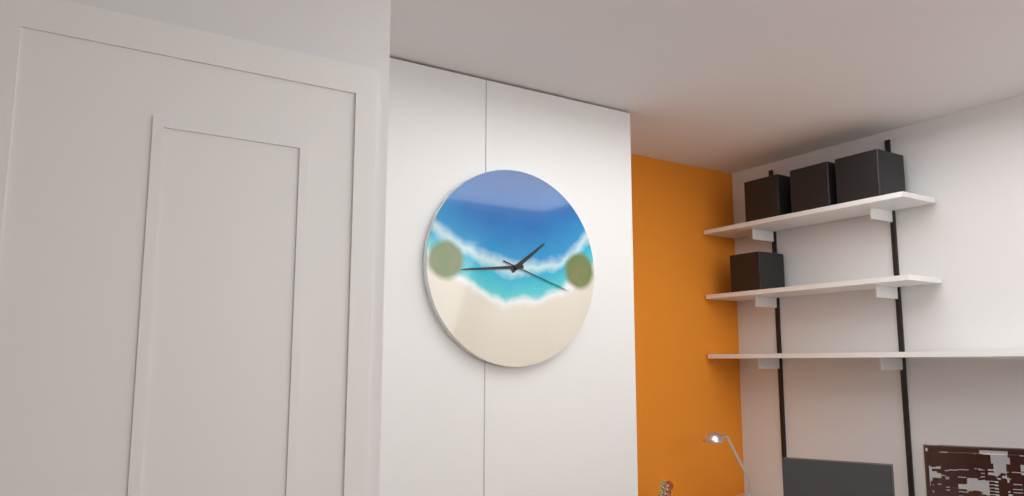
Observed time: 1:44:18
